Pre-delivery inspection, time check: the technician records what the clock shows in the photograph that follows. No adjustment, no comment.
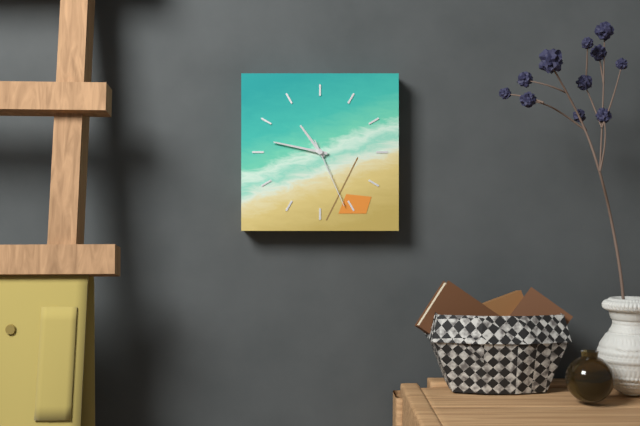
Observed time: 10:47:26
